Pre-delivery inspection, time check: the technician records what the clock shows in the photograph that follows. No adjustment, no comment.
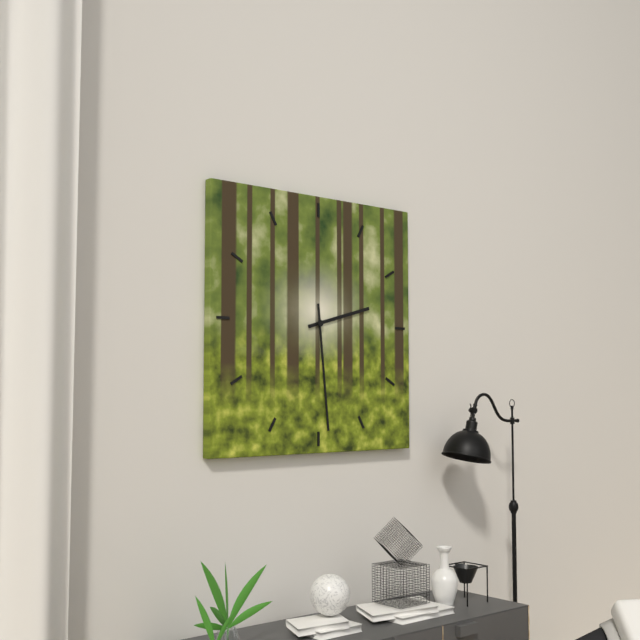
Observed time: 2:29
